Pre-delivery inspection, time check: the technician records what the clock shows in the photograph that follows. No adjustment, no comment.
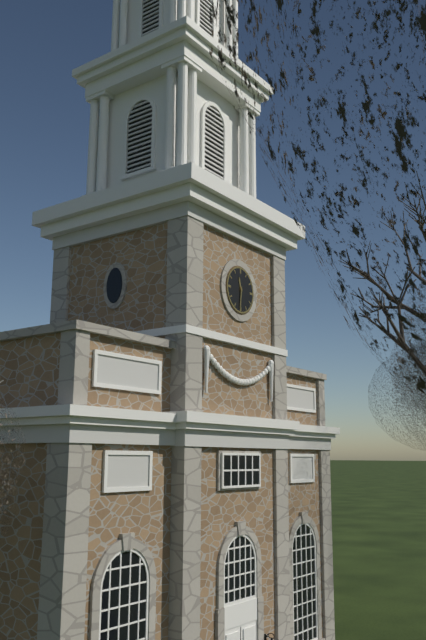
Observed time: 11:31
